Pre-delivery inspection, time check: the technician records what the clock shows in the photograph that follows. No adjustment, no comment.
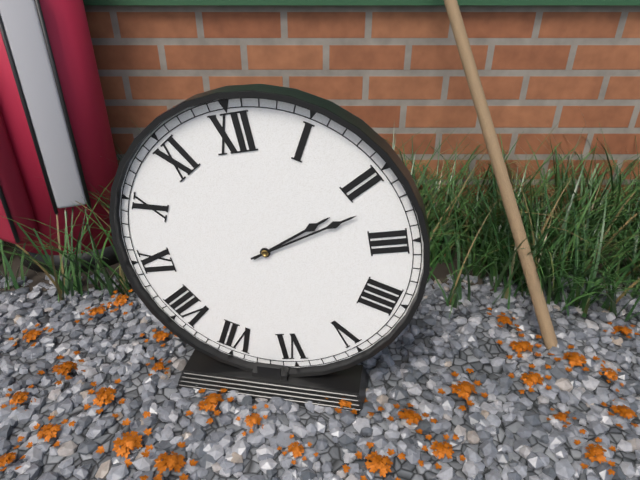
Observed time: 2:12
